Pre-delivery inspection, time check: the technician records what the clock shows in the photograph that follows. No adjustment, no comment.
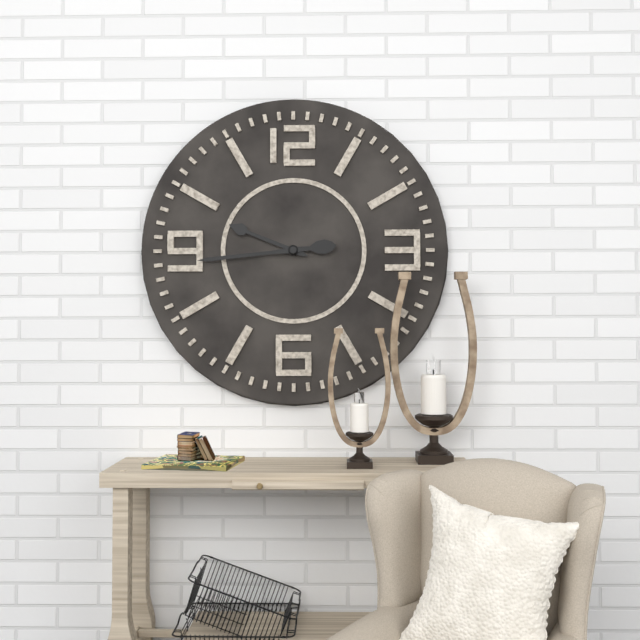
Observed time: 9:44
